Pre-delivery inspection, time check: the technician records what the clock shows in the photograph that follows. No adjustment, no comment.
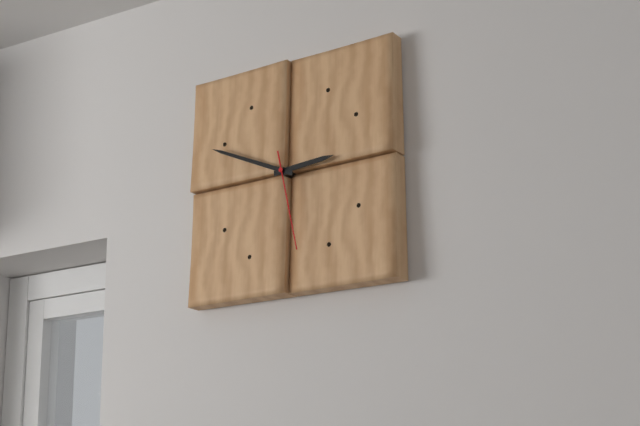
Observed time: 2:49:28
